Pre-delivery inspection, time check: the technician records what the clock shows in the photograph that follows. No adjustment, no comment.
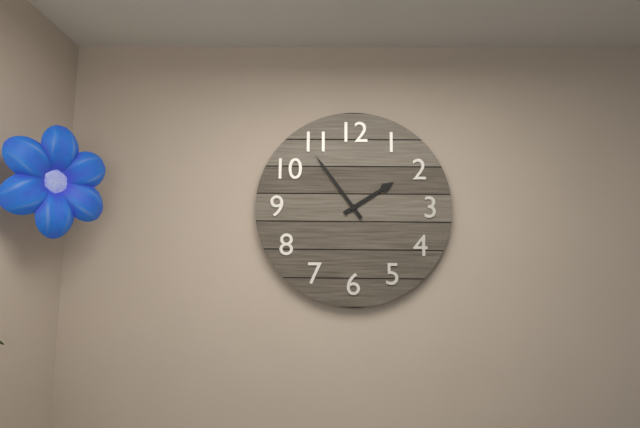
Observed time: 1:54
